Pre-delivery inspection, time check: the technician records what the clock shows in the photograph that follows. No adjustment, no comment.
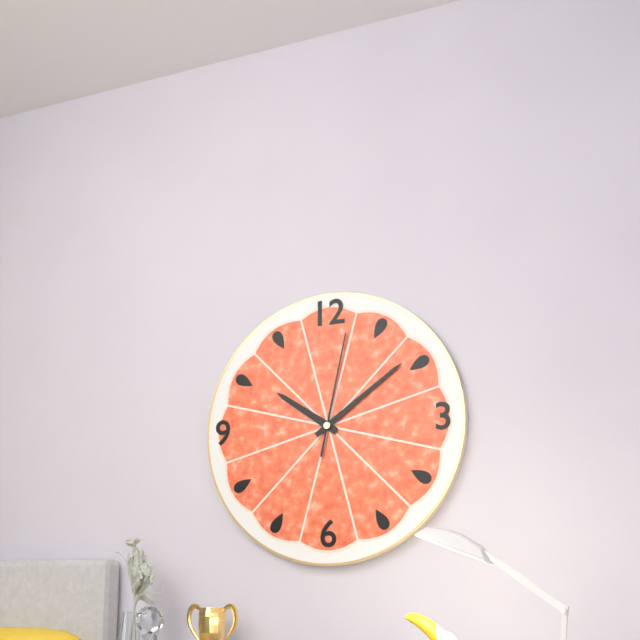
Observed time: 10:09:02
